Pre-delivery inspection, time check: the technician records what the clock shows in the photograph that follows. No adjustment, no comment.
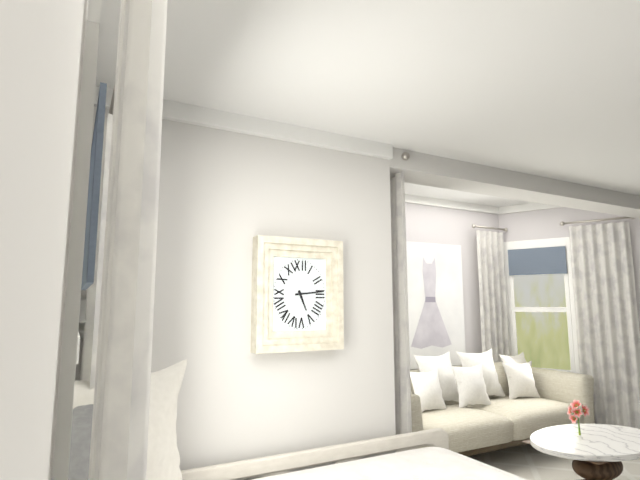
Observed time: 5:14
